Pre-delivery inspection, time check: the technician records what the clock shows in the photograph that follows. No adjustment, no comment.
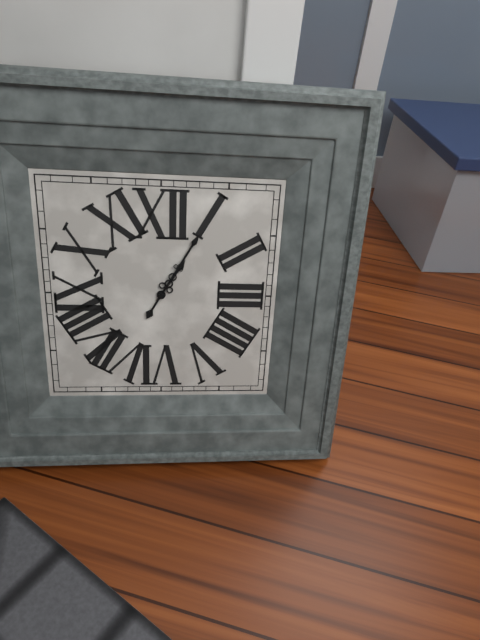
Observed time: 1:05
